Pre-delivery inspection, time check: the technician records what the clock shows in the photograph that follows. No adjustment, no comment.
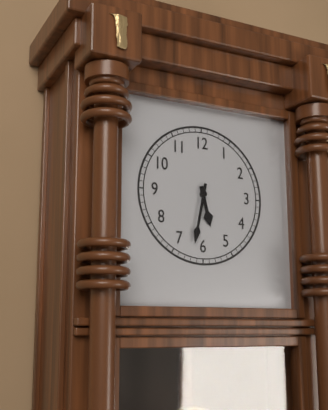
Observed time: 5:32
